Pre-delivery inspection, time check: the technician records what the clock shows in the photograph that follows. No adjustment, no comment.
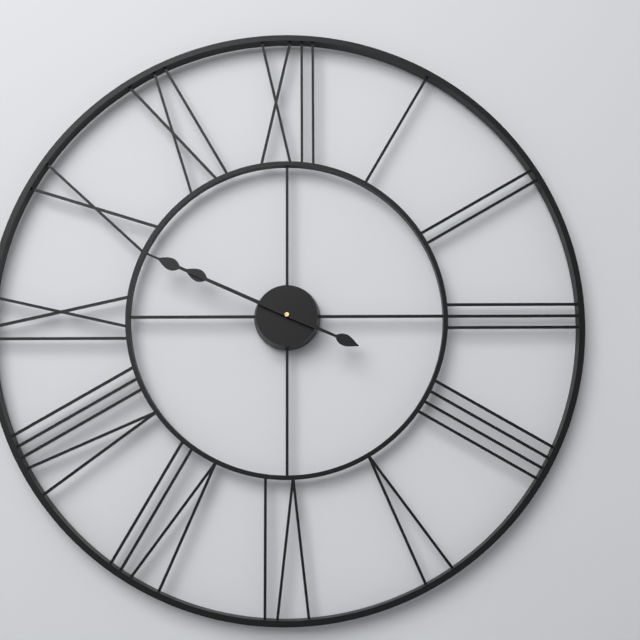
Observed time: 9:49
